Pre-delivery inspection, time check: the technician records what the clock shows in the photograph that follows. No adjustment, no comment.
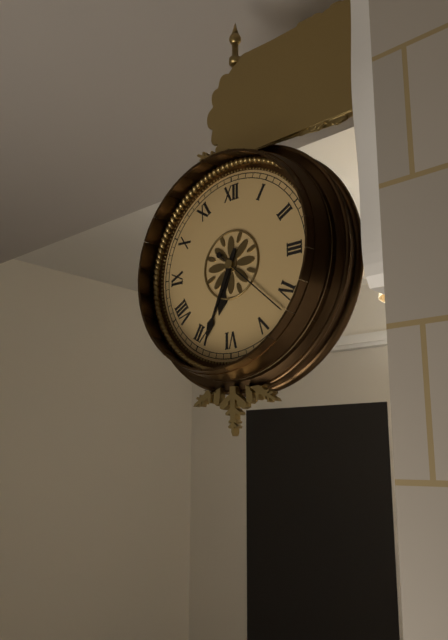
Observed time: 6:34:22
